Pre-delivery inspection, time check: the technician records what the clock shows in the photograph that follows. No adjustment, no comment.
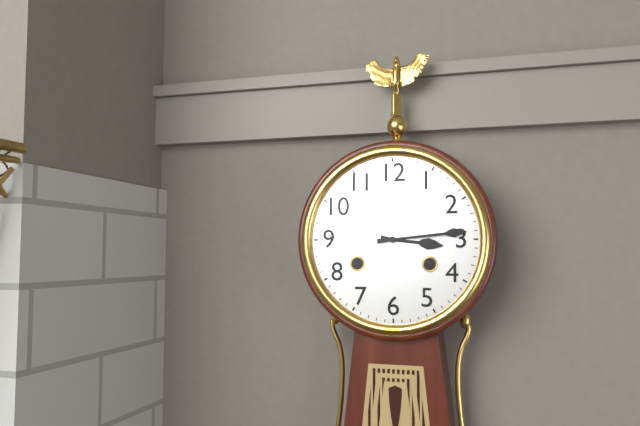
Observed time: 3:14
